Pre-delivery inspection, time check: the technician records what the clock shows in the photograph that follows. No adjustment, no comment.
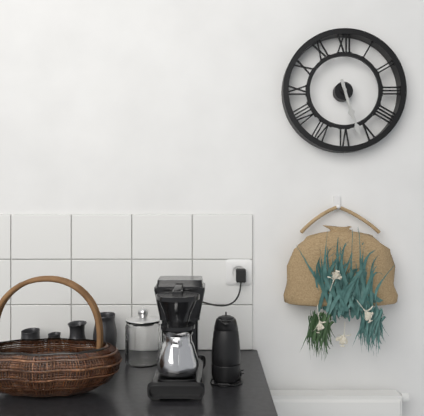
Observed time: 5:27
